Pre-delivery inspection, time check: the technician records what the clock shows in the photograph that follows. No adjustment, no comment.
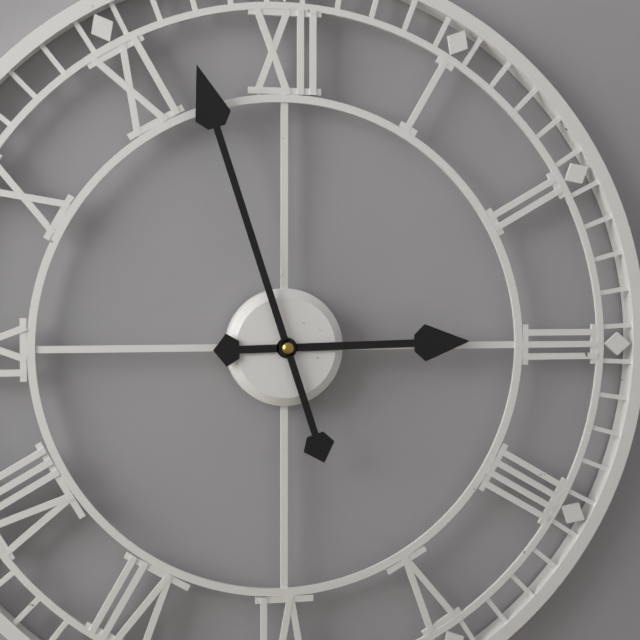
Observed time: 2:57
